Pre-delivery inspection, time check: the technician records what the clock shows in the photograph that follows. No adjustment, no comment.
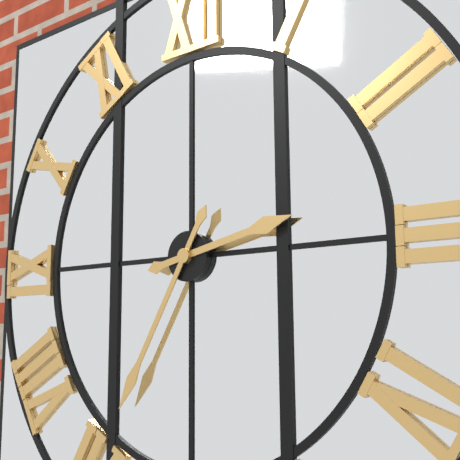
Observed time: 2:35
